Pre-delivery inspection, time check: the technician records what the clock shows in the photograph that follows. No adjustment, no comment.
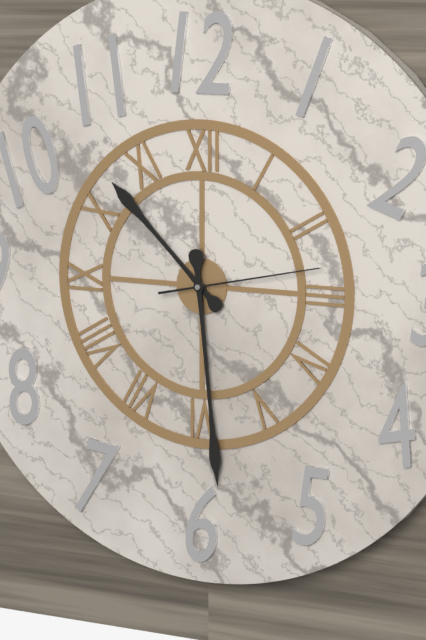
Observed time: 10:29:13
